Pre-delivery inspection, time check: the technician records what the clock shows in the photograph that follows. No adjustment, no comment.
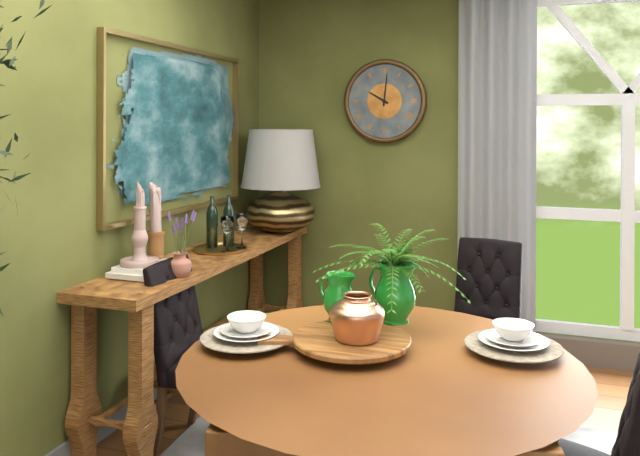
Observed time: 10:01
